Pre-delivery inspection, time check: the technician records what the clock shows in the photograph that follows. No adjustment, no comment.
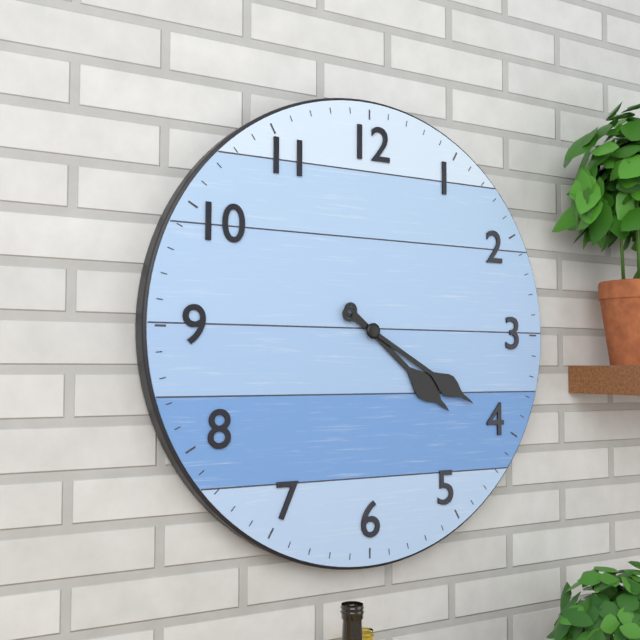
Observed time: 4:20
